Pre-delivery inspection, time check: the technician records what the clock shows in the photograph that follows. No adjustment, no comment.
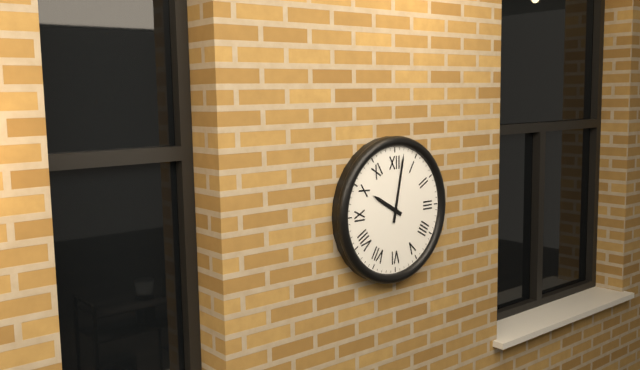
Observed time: 10:02
